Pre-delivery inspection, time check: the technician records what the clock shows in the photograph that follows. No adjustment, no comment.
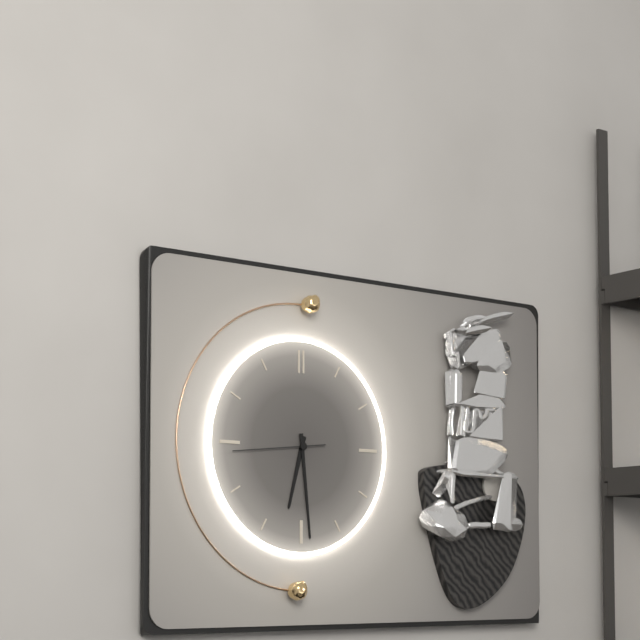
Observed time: 6:29:44
